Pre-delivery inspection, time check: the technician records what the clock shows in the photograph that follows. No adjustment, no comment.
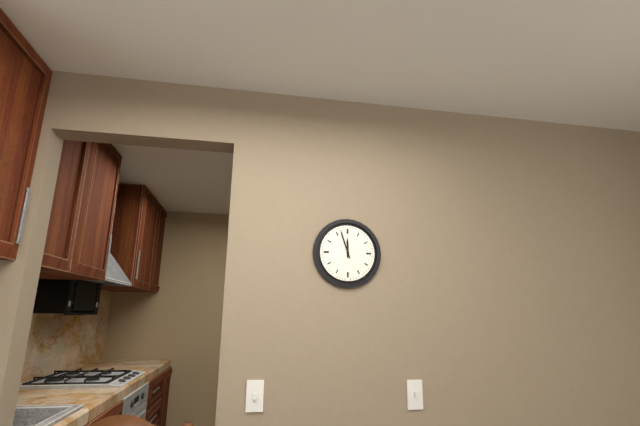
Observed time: 11:57
